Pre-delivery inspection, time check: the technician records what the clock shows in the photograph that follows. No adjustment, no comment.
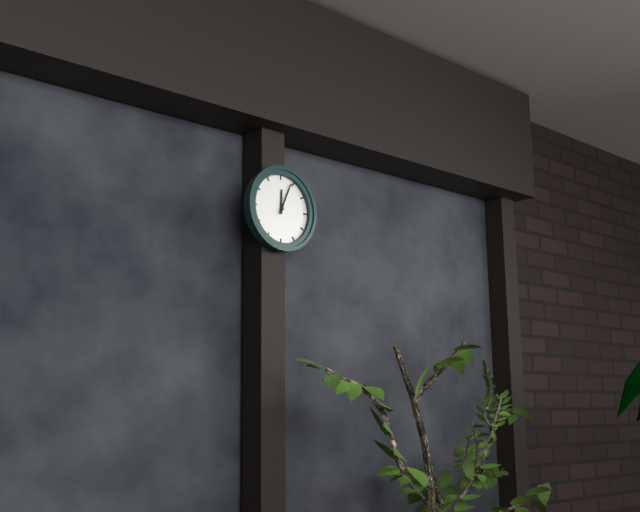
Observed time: 12:04
